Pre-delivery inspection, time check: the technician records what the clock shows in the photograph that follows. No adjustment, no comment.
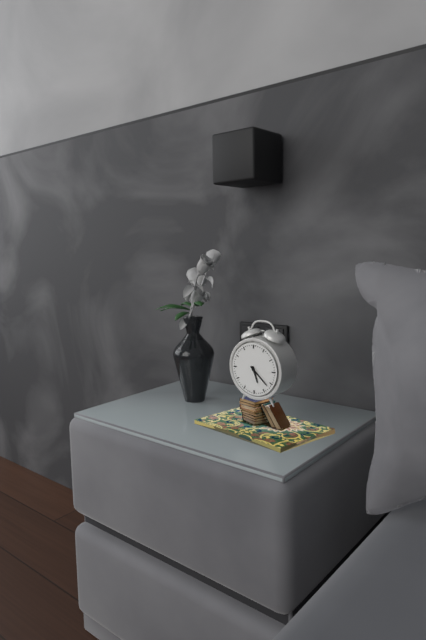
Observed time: 5:22
